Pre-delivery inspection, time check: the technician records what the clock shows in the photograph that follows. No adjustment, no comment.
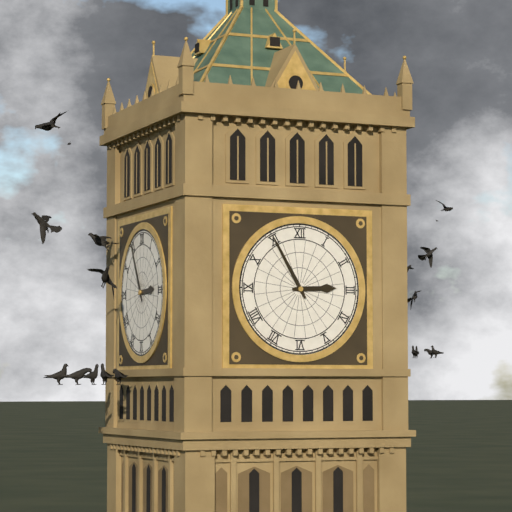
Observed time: 2:55
